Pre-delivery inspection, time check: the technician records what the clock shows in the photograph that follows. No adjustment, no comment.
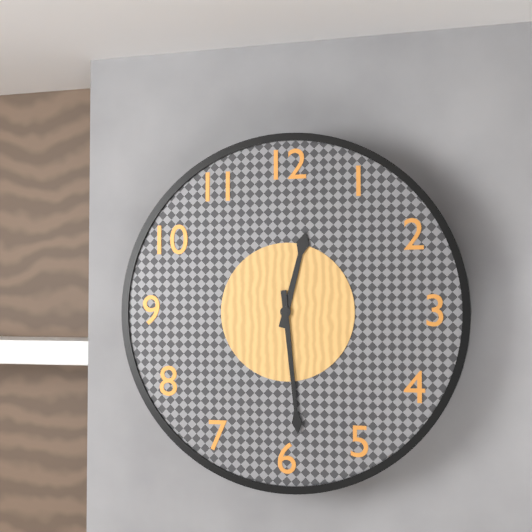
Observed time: 12:29
